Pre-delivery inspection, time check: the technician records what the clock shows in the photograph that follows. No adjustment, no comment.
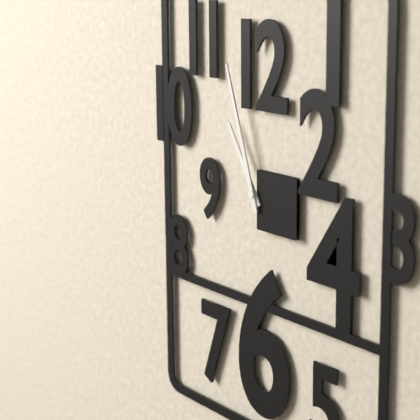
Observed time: 10:57
